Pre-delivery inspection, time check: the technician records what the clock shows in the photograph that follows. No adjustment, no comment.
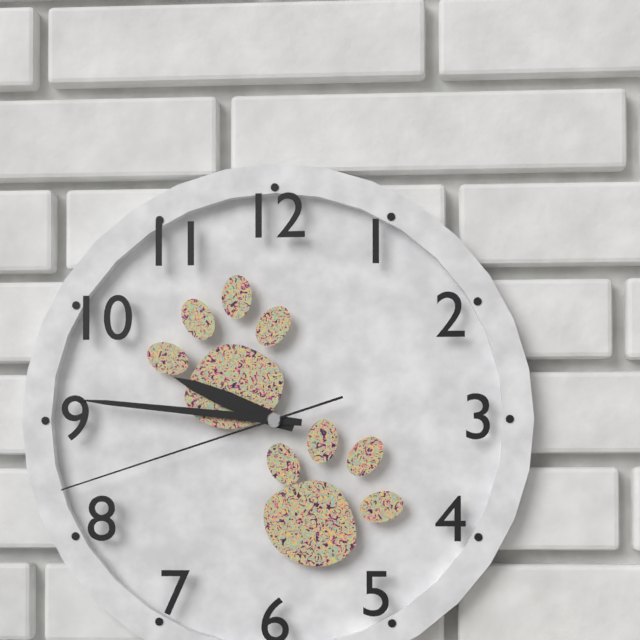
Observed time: 9:46:42
